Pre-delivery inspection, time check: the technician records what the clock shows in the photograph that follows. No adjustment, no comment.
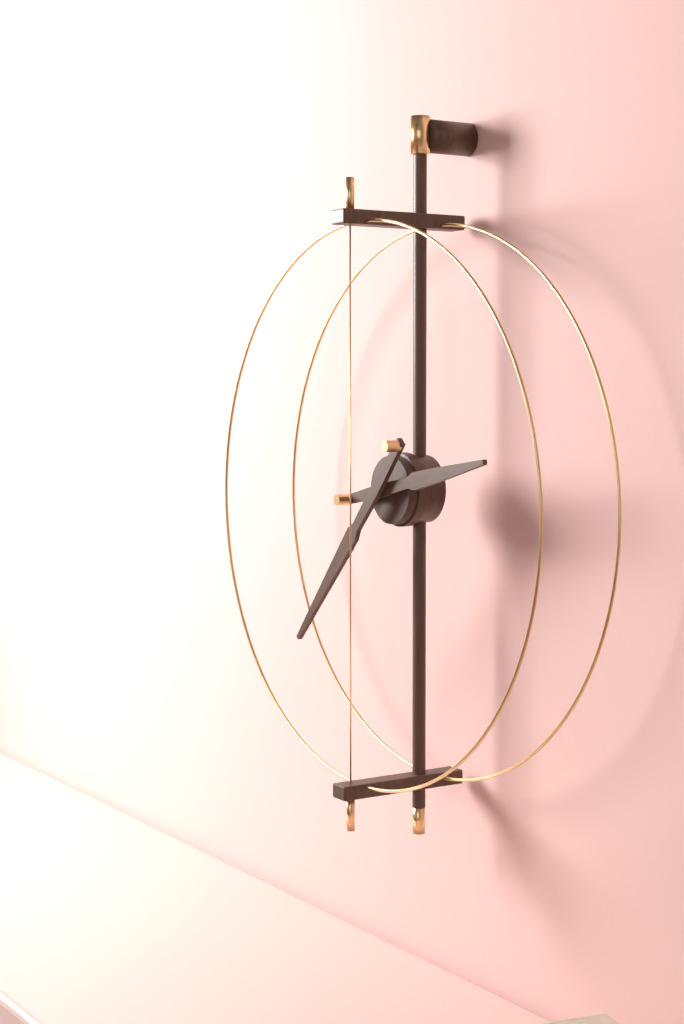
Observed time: 2:37
